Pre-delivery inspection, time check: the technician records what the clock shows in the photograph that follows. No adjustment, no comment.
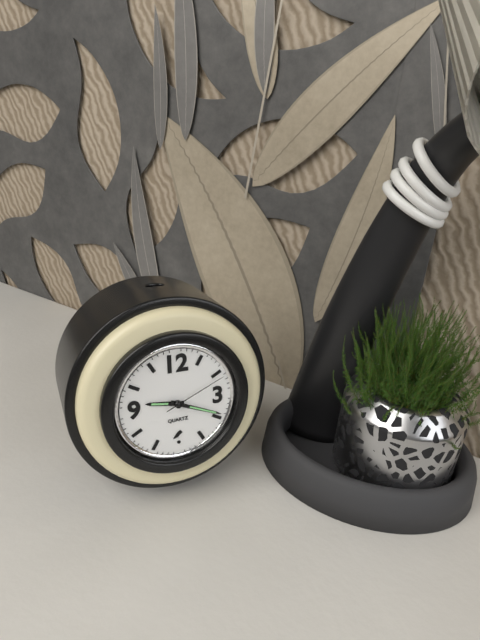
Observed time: 9:19:11
